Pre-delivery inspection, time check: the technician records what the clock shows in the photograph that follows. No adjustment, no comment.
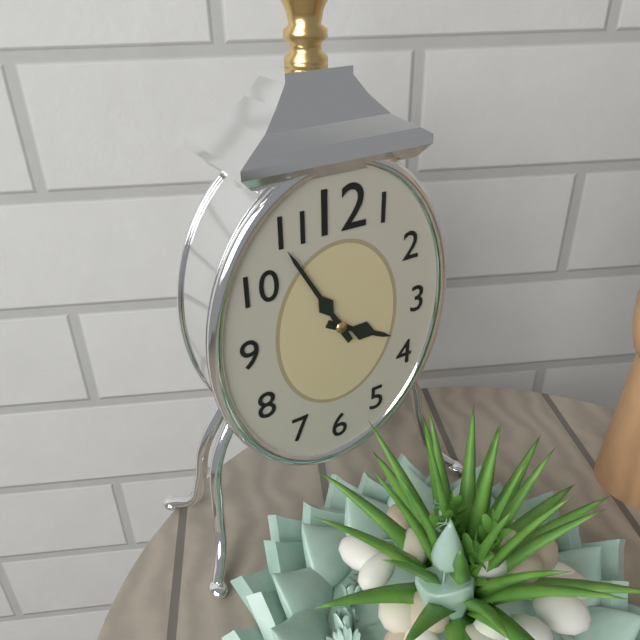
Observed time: 3:55
